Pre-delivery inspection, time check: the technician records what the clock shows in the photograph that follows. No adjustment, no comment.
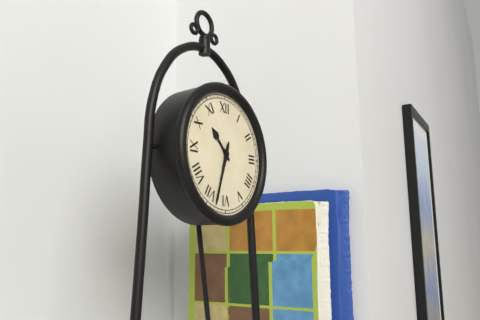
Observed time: 10:33
